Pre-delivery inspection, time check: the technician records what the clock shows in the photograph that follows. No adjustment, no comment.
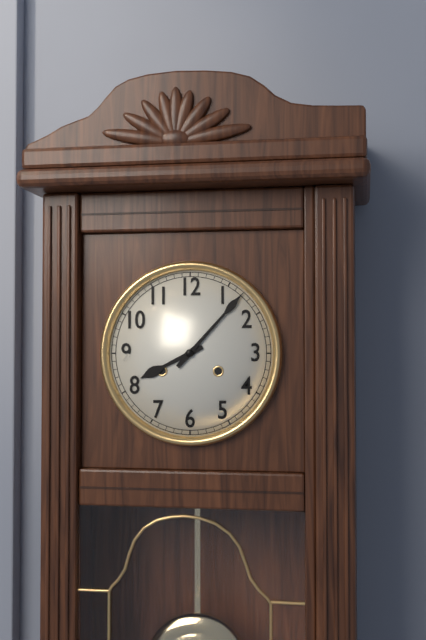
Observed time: 8:07
